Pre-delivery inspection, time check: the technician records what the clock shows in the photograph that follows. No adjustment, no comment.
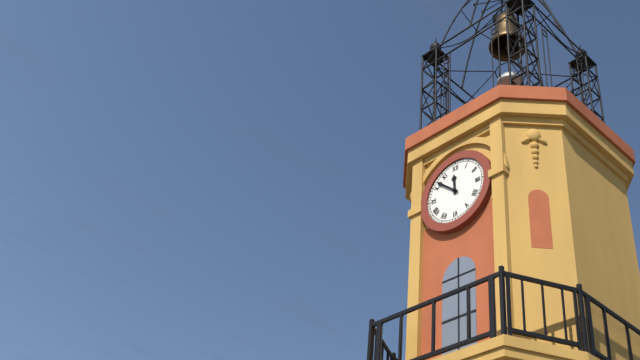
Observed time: 11:52
